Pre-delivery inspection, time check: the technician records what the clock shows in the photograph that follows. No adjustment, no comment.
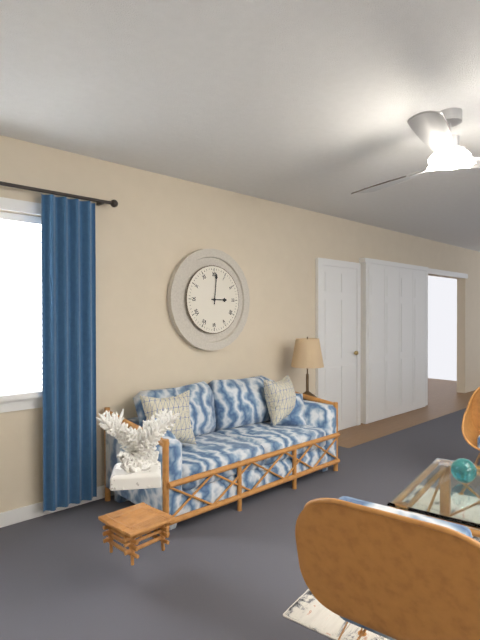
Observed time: 3:01
